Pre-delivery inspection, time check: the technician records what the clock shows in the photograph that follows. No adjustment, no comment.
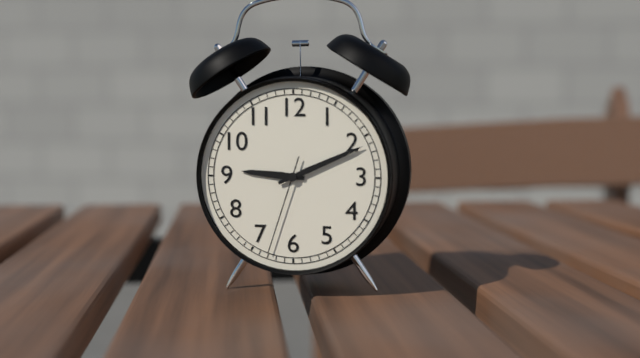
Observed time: 9:11:33
